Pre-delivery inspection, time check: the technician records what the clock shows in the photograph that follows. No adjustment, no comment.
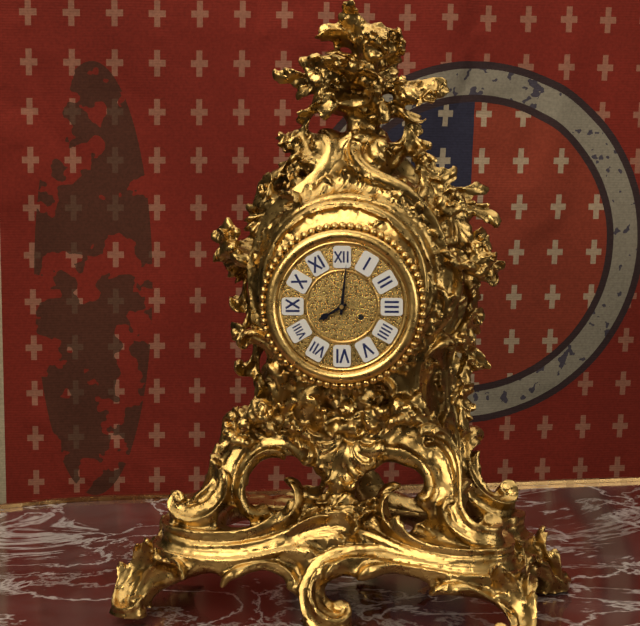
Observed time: 8:01
